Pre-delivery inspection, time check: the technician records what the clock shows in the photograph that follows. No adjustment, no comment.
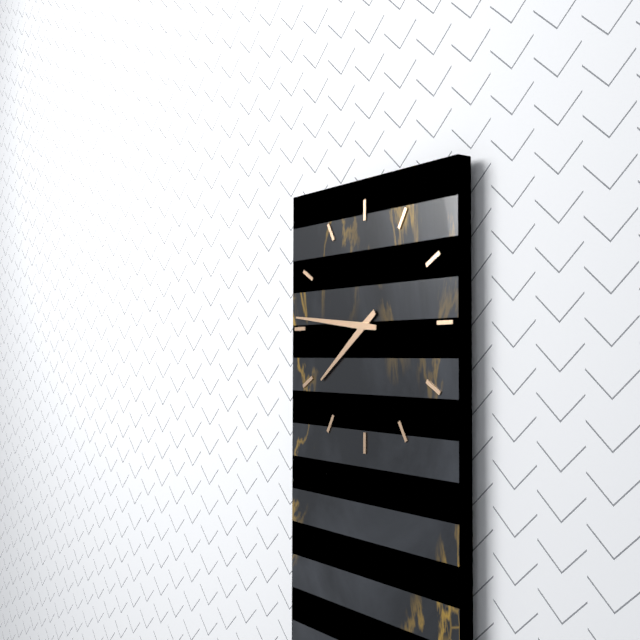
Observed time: 7:46
